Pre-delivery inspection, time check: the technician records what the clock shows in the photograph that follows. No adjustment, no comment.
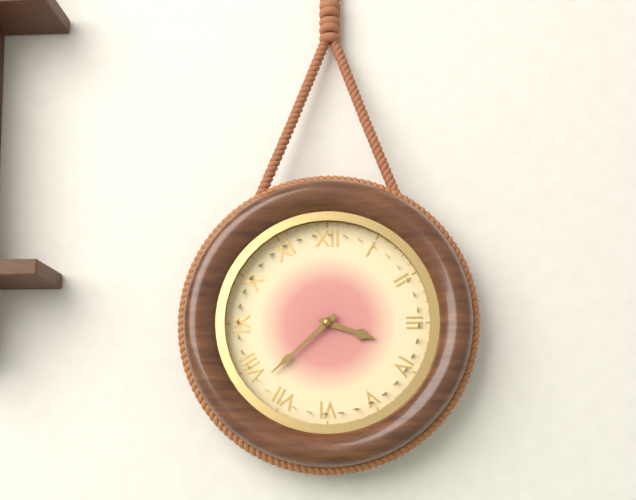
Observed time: 3:38
